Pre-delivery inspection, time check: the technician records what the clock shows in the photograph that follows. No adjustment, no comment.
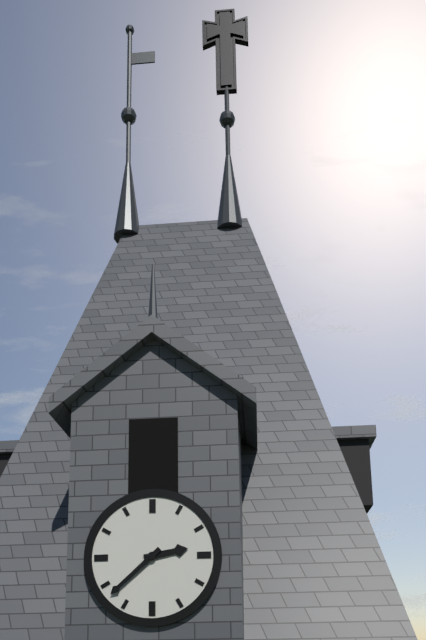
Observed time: 2:38
